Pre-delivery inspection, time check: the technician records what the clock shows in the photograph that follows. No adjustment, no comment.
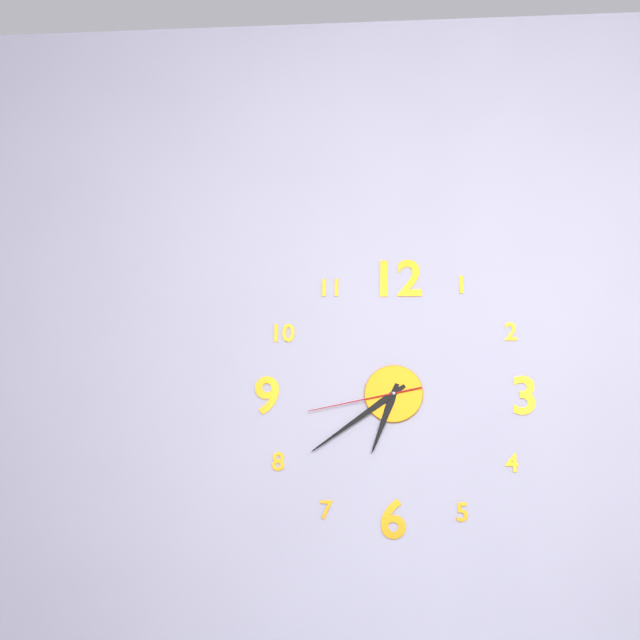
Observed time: 6:39:43
